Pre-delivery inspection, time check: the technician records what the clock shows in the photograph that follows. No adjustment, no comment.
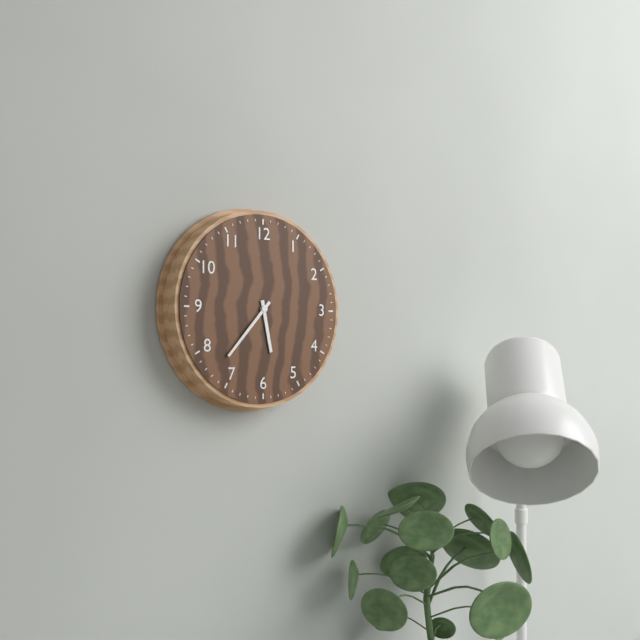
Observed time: 5:37
